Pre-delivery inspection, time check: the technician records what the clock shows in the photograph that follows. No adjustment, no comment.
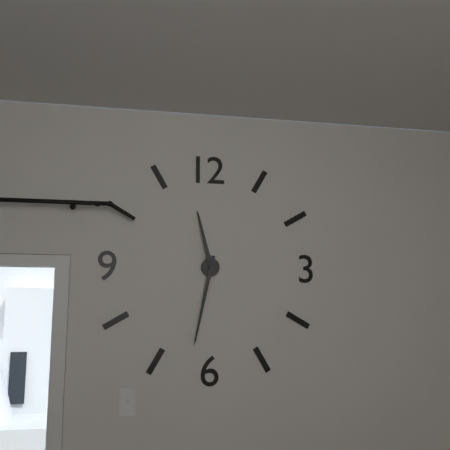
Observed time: 11:32
